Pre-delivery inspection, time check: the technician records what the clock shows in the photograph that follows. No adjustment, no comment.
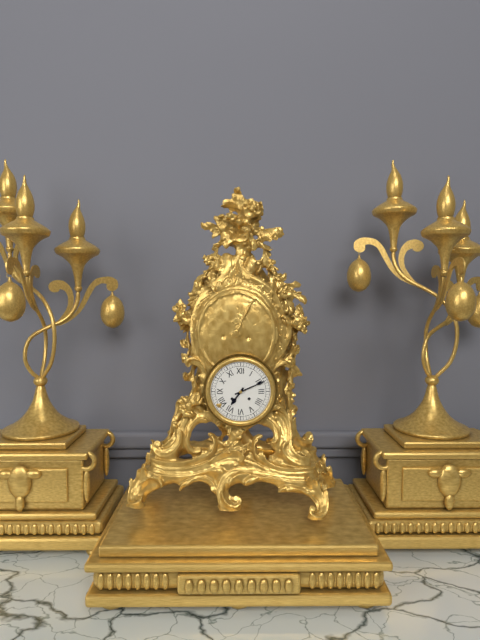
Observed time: 7:11
